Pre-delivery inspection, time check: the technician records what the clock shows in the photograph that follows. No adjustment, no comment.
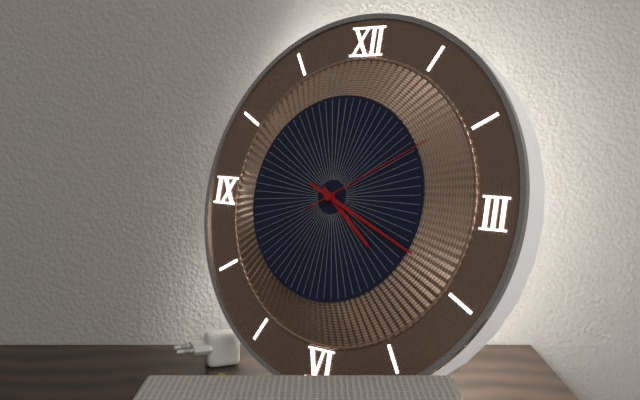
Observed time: 4:19:10
